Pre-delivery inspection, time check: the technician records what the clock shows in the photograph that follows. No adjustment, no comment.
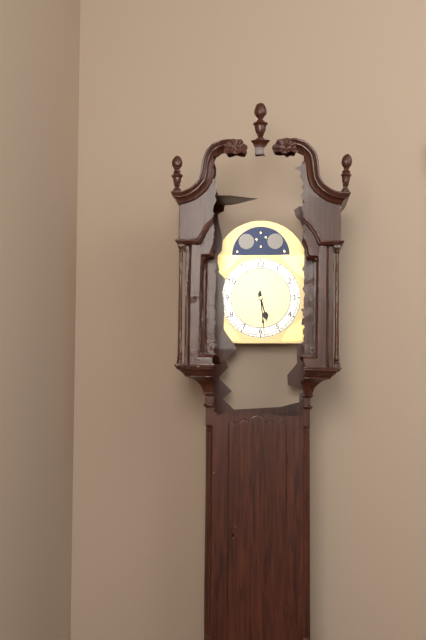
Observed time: 5:29
